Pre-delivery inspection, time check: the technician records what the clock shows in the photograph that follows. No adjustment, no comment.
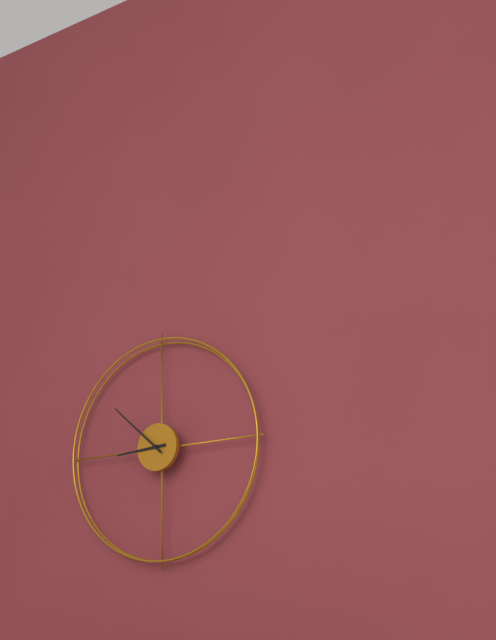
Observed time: 8:52
